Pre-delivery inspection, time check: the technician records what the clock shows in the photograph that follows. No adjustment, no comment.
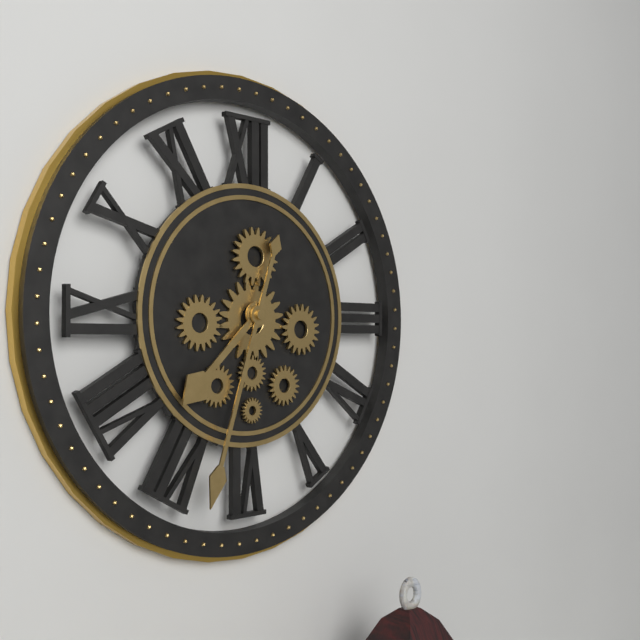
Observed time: 7:33
